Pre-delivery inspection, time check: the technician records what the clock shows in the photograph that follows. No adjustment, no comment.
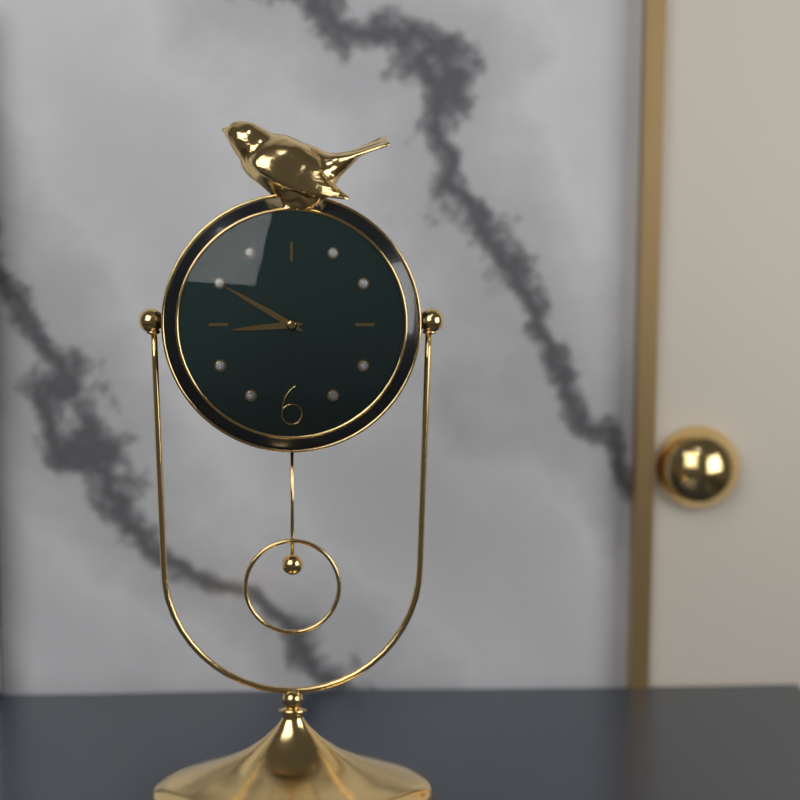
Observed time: 8:50
